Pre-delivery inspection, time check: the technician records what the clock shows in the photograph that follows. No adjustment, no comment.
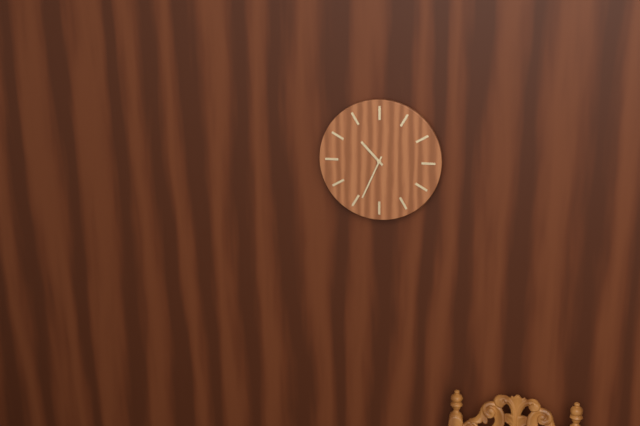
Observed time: 10:34
